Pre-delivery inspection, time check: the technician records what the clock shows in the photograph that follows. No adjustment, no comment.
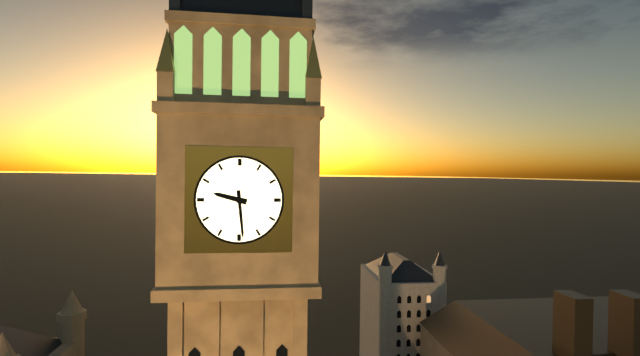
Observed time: 9:29
